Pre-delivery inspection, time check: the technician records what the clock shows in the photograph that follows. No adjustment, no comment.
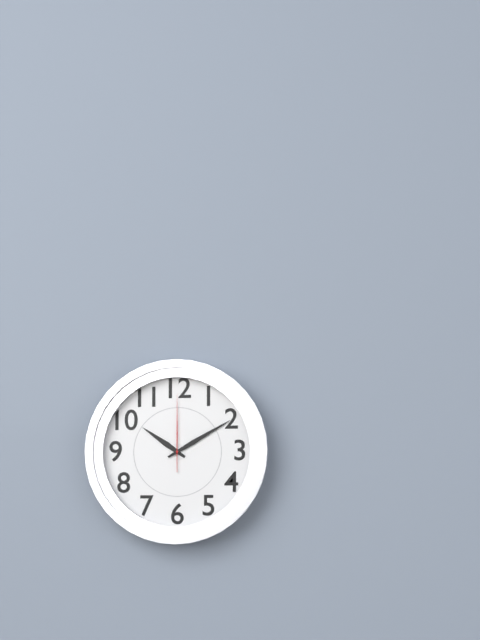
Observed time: 10:10:00
